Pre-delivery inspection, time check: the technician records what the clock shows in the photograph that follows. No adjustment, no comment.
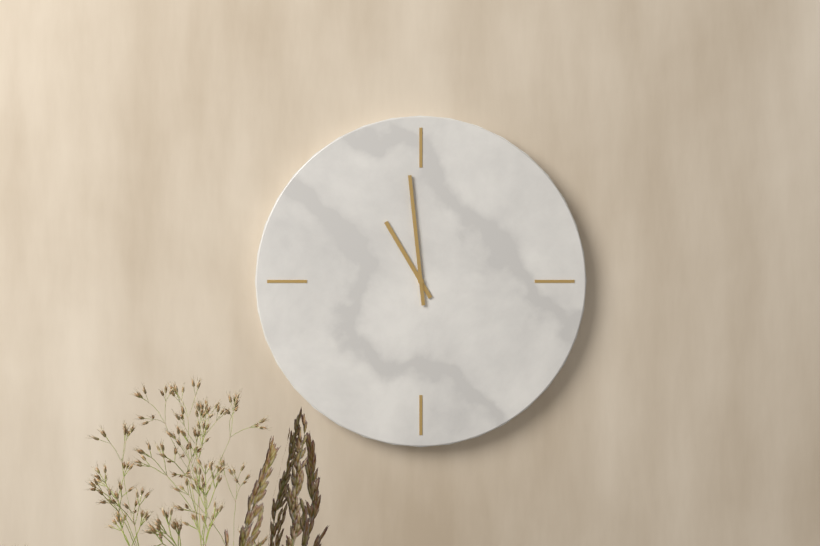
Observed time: 10:59
